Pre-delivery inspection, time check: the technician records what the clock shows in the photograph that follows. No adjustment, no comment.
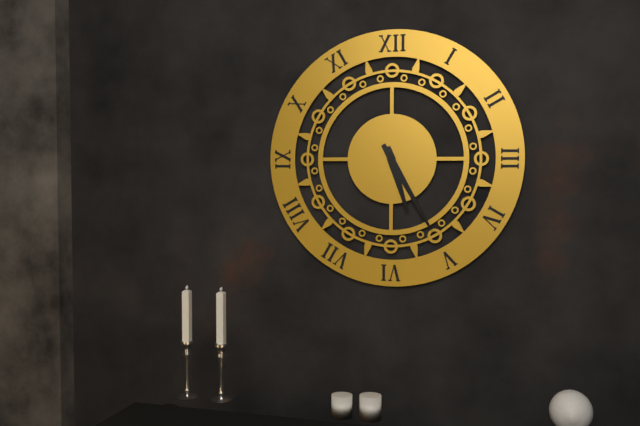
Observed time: 5:25
